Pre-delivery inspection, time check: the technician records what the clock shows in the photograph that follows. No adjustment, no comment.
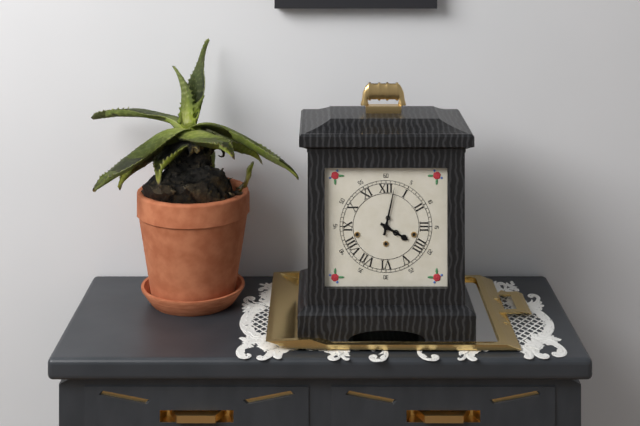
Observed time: 4:02
